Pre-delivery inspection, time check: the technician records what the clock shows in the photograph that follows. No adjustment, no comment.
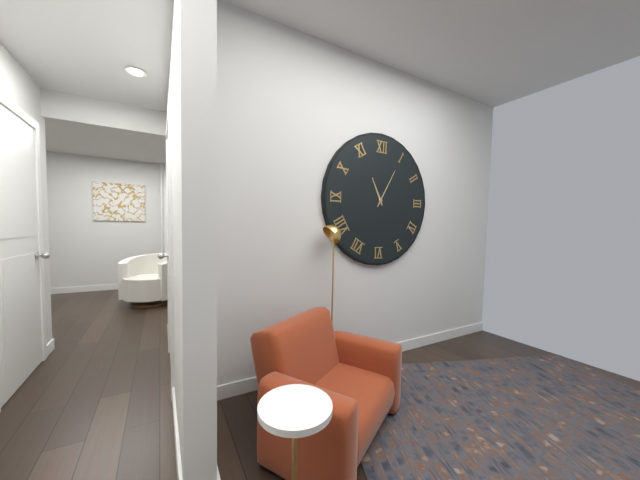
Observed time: 11:05
